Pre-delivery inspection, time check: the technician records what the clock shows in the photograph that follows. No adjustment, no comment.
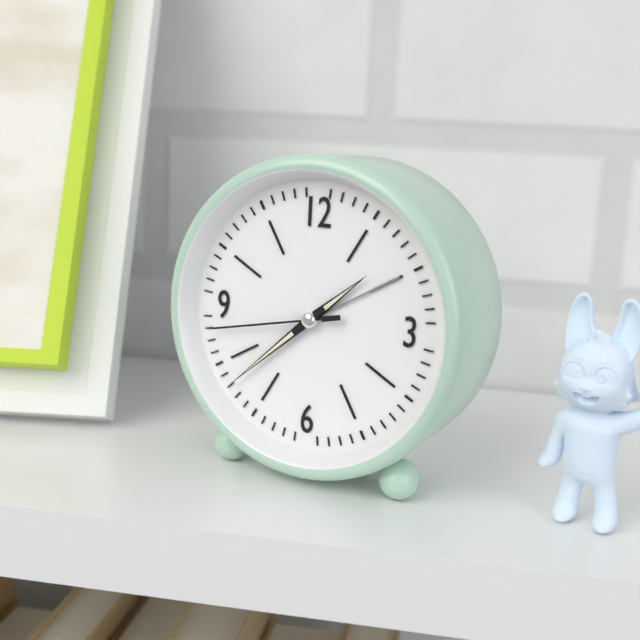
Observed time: 1:38:43
